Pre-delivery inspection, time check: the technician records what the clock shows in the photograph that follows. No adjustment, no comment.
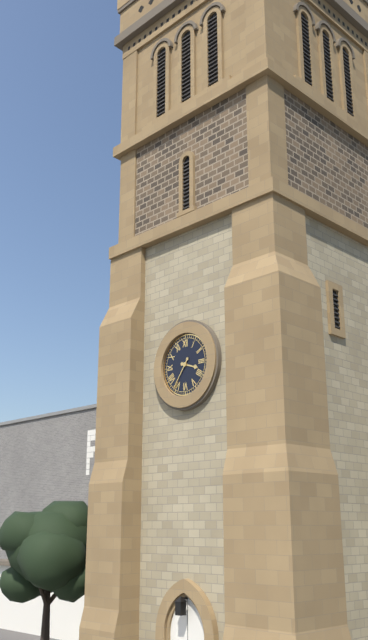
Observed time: 3:36
